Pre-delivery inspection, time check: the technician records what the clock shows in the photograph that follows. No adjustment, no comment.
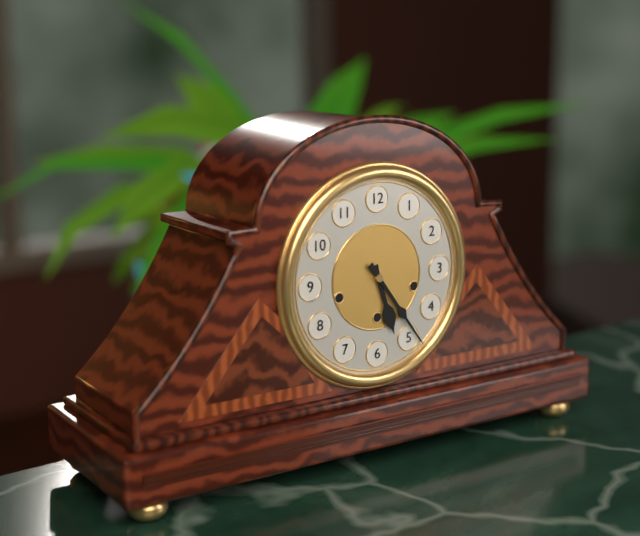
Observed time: 5:24
